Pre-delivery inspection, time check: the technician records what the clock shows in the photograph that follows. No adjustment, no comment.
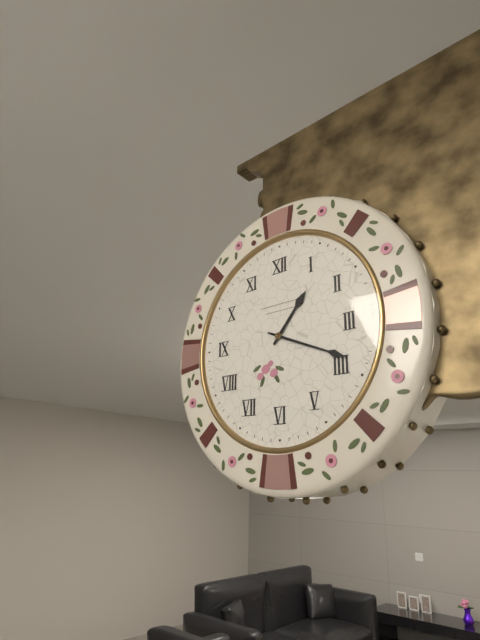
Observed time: 1:19
